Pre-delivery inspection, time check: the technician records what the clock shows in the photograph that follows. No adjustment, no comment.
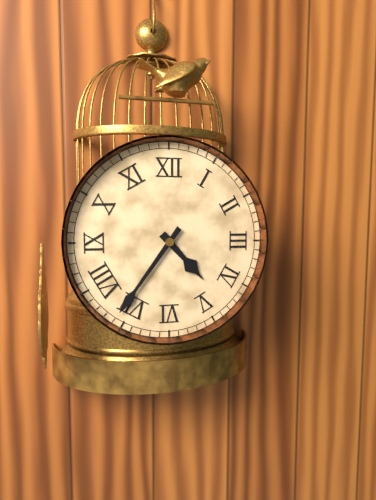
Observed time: 4:36
